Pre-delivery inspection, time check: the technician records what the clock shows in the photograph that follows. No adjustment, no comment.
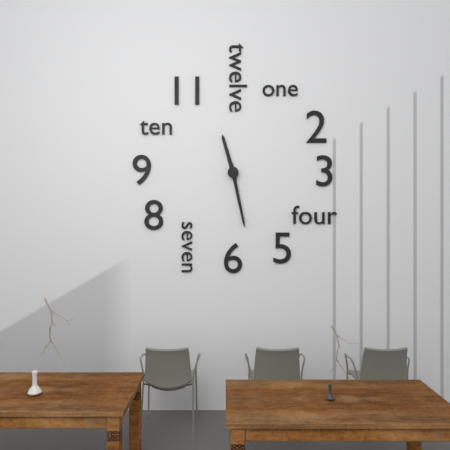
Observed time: 11:28
